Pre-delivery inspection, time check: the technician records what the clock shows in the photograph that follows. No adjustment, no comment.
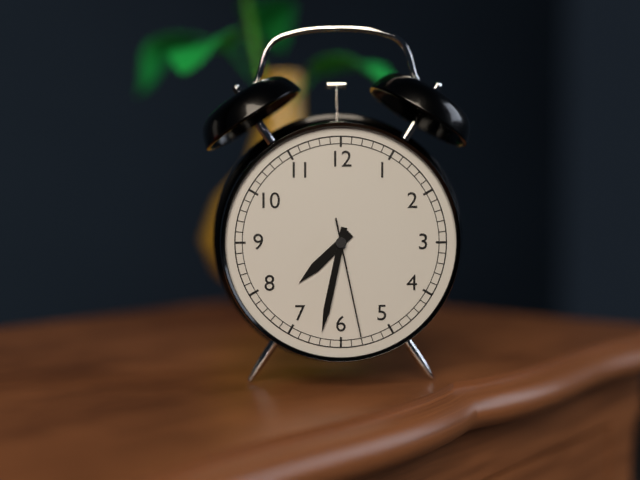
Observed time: 7:32:28
